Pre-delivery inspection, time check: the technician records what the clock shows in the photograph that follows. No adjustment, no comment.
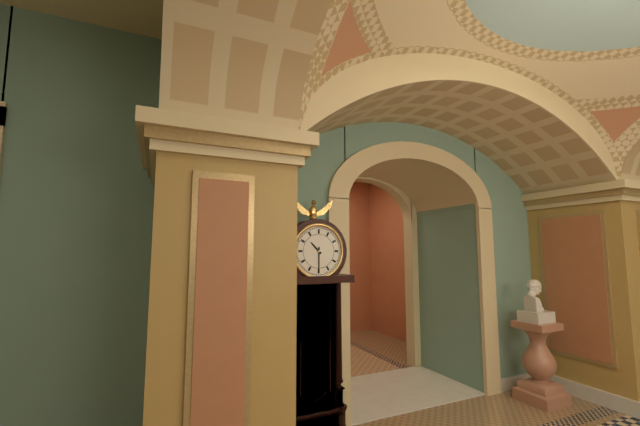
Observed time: 10:30
